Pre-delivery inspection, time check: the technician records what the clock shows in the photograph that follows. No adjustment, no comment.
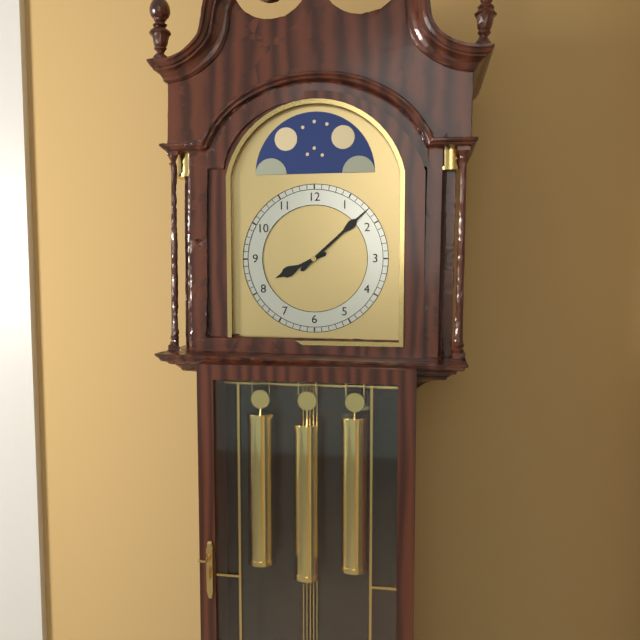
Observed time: 8:08
